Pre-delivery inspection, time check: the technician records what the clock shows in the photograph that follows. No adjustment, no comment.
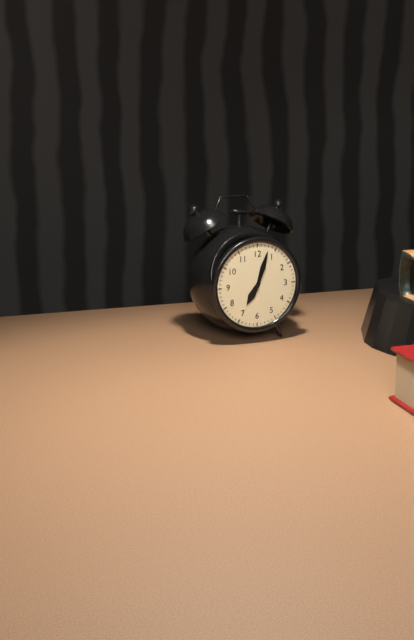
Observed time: 7:03
